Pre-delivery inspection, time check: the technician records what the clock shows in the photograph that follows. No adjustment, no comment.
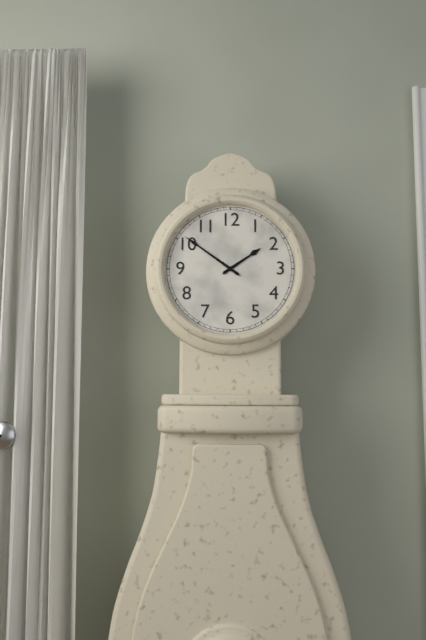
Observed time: 1:51
